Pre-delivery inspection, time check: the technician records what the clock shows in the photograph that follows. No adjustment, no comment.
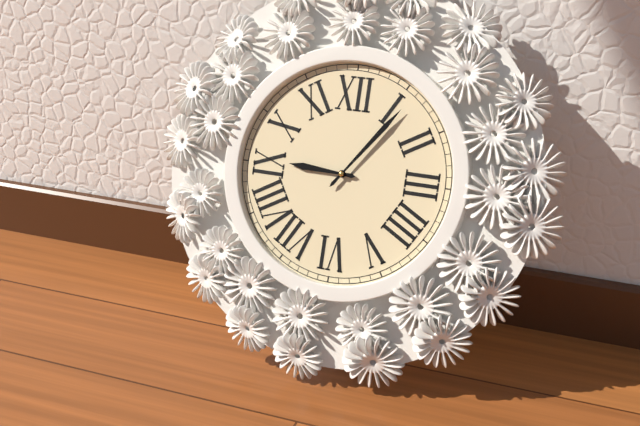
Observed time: 9:06
